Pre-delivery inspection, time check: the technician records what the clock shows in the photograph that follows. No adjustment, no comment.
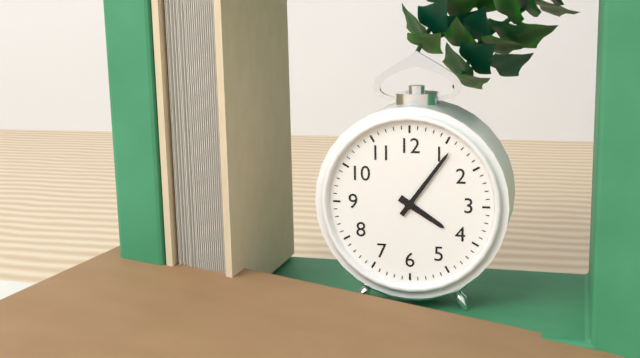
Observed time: 4:06
